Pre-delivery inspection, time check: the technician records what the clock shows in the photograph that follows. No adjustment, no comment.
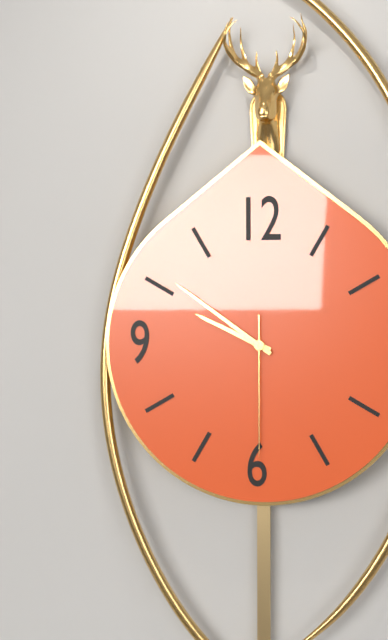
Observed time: 9:51:30
